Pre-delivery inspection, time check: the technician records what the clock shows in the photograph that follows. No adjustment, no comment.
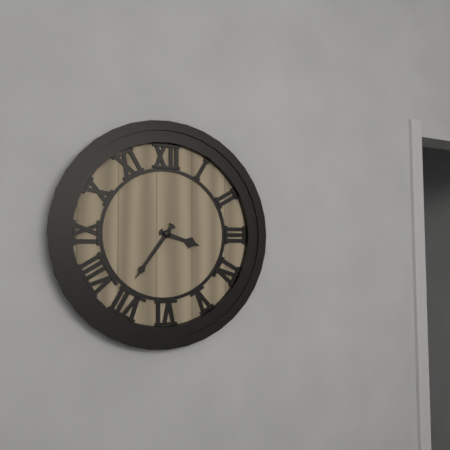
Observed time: 3:36
